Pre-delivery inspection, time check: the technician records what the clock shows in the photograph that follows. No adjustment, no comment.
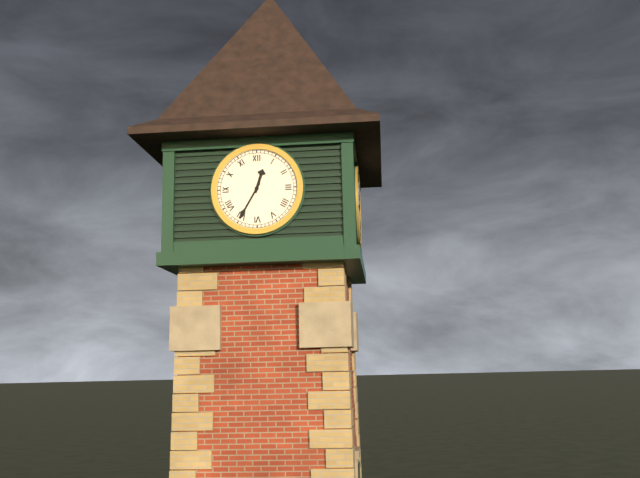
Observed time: 12:35
